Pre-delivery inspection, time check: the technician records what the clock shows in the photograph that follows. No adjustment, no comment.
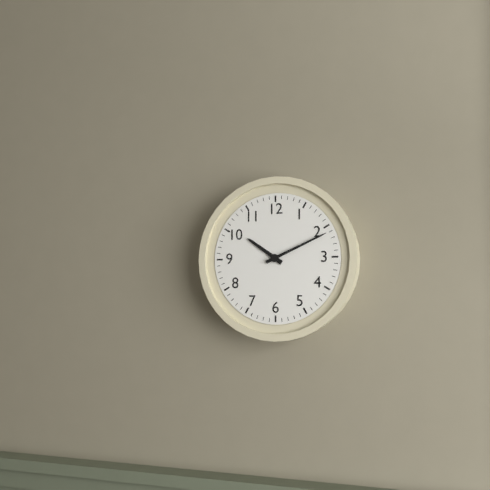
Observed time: 10:11
